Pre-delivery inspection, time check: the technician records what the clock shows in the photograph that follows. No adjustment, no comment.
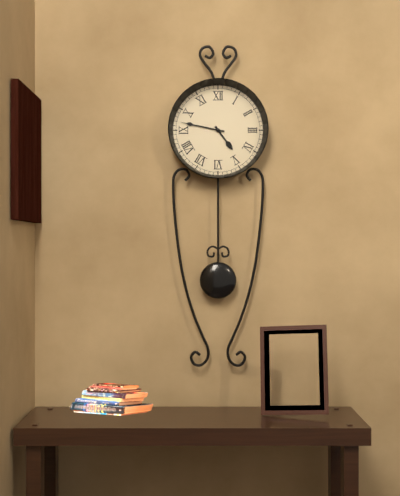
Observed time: 4:47
